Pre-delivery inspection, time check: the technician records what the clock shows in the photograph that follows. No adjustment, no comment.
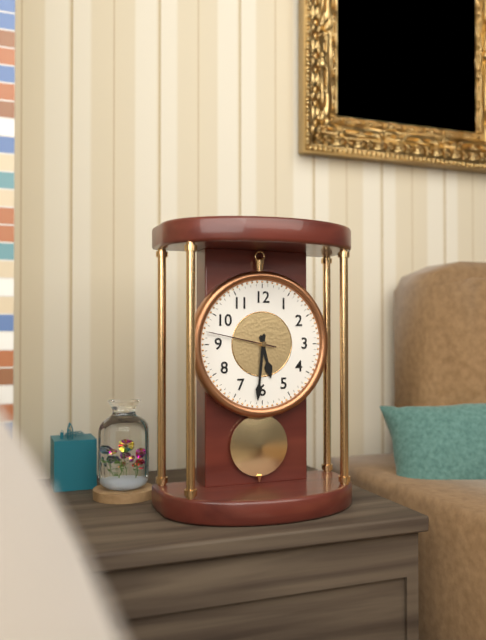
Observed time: 5:31:47
